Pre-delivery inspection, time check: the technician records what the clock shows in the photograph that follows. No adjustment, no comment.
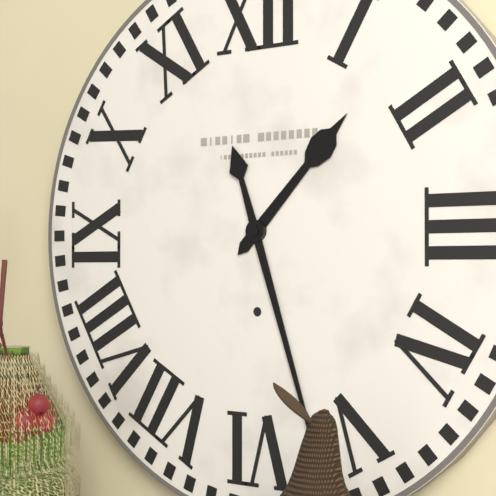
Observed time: 1:27
